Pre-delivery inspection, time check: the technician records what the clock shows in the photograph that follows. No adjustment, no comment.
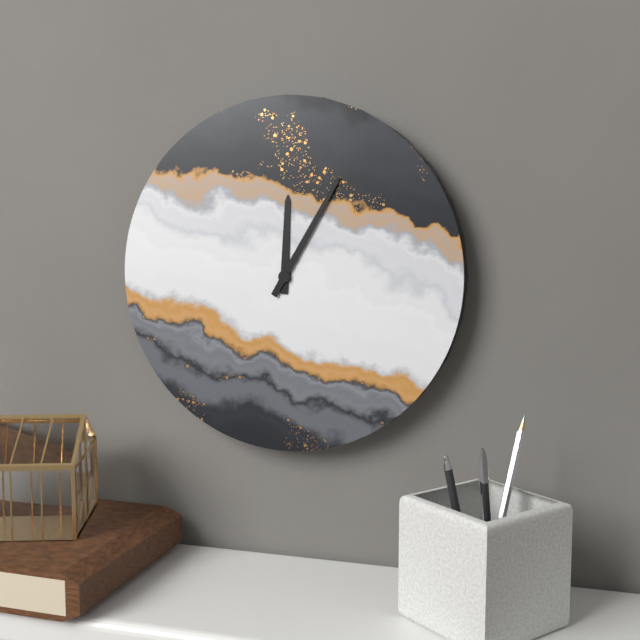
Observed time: 12:05
